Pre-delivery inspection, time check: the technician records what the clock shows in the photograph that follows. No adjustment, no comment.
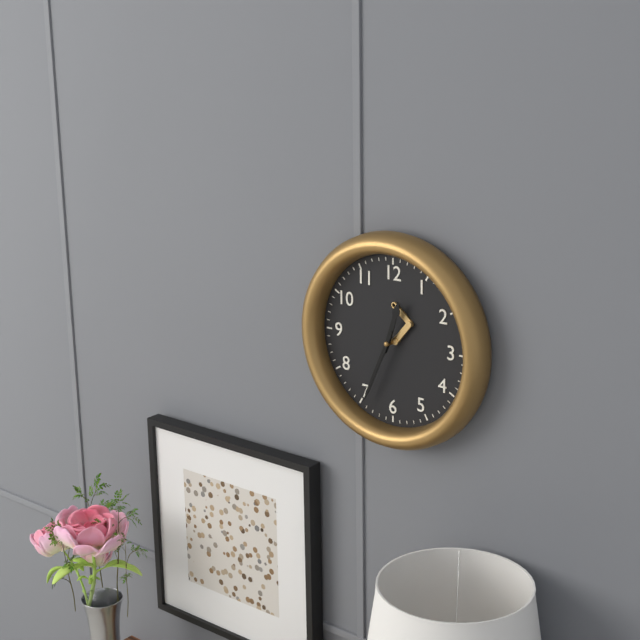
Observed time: 12:34
